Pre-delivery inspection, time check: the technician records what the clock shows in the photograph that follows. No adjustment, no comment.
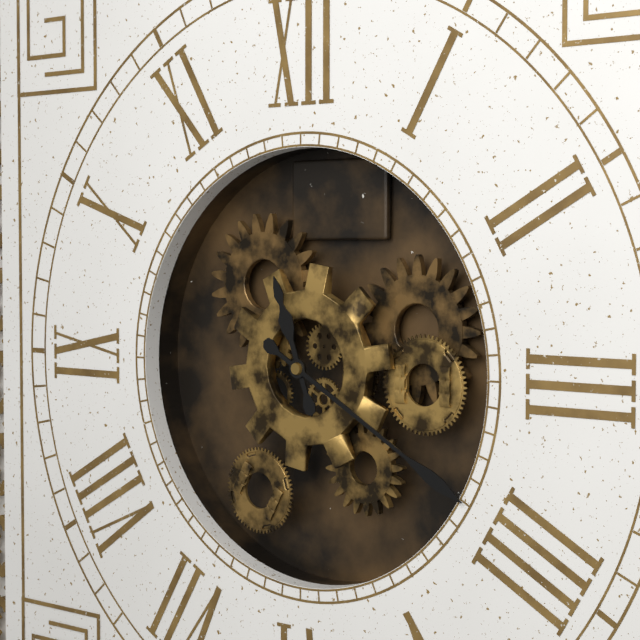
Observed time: 11:20
